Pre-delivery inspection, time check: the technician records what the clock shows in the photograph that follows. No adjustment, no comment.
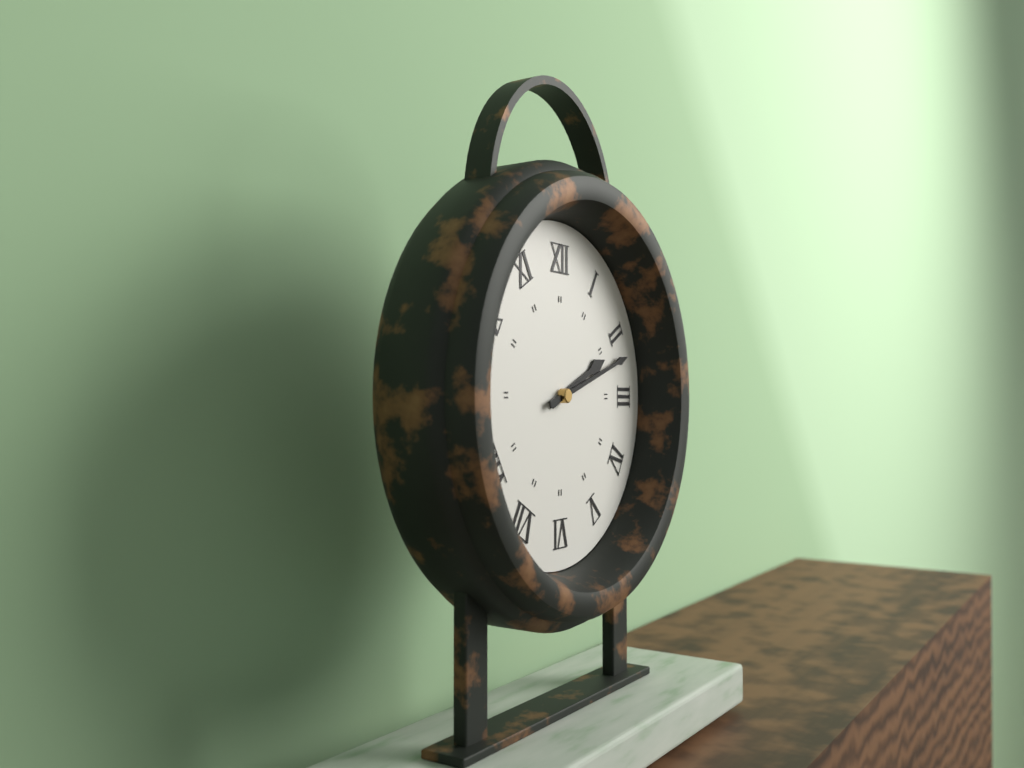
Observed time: 2:12
